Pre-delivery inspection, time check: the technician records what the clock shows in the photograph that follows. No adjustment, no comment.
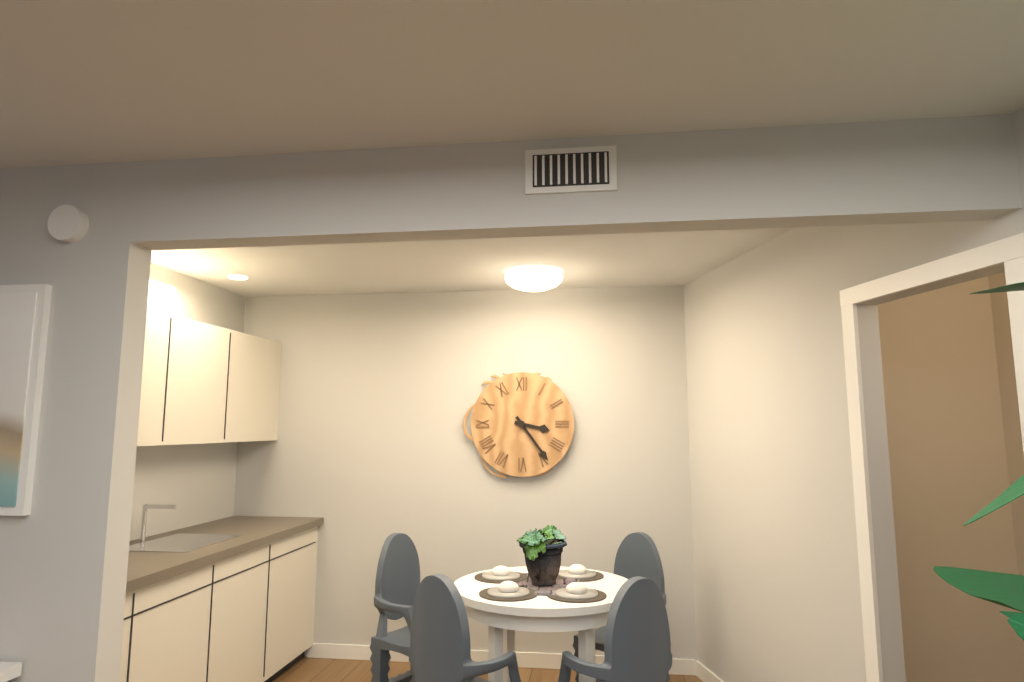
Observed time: 3:24
